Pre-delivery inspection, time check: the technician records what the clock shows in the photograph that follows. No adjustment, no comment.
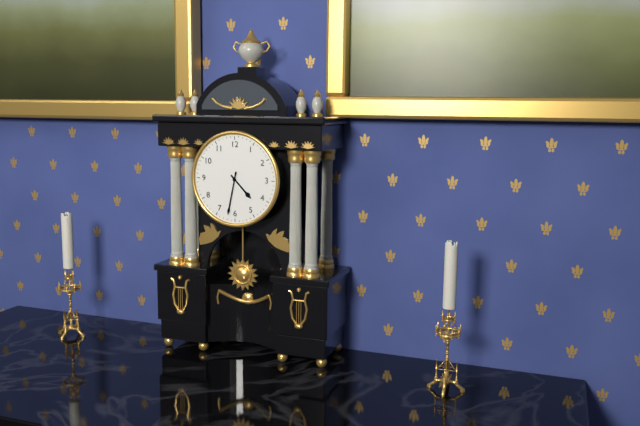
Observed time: 4:32
